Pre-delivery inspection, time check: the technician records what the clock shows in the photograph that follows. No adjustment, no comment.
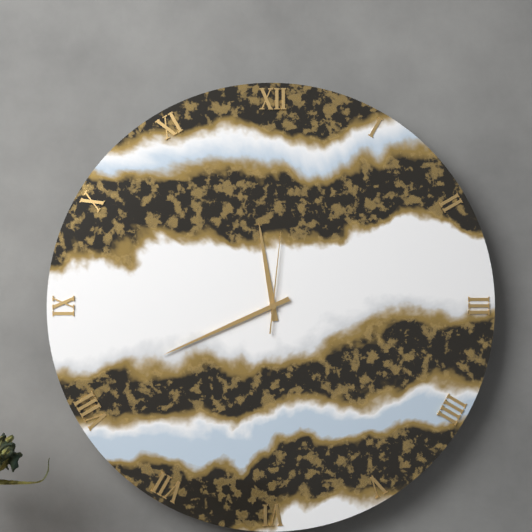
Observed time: 11:41:01
